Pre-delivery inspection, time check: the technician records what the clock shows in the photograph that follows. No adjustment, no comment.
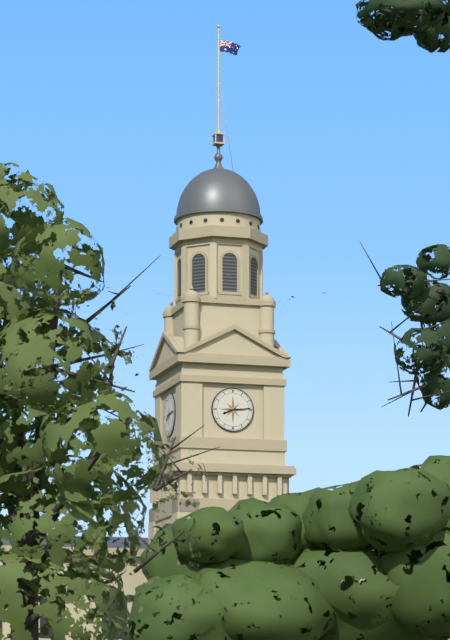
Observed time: 8:14
